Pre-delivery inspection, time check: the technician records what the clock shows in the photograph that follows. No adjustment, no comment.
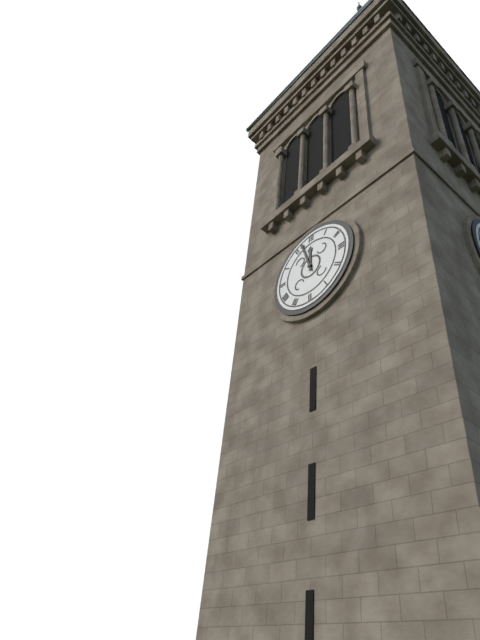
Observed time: 11:57
